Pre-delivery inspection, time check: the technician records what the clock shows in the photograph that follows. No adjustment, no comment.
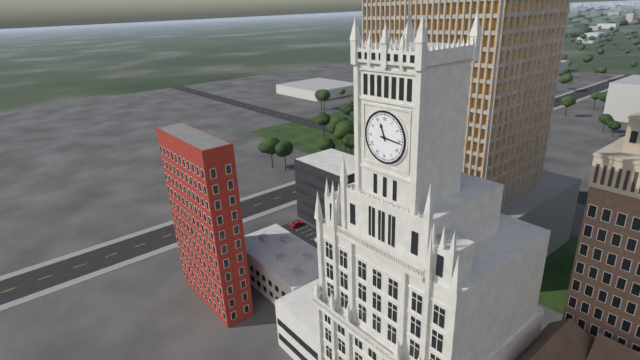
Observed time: 11:16
